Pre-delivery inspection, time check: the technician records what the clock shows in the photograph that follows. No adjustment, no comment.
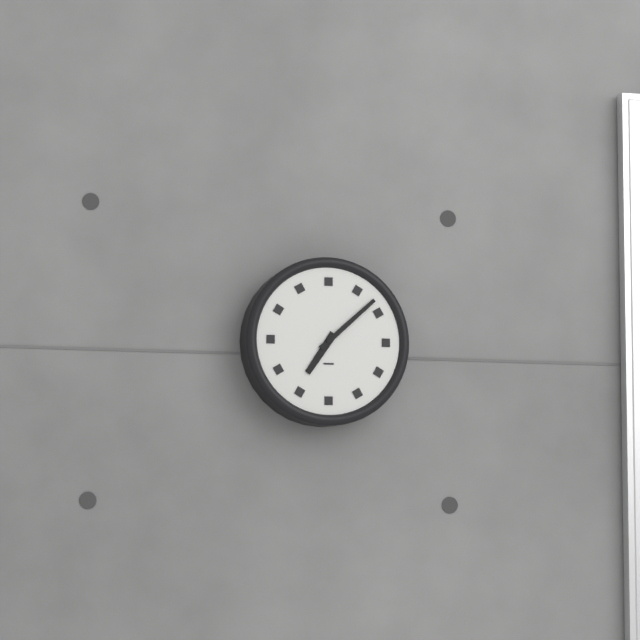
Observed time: 7:08
